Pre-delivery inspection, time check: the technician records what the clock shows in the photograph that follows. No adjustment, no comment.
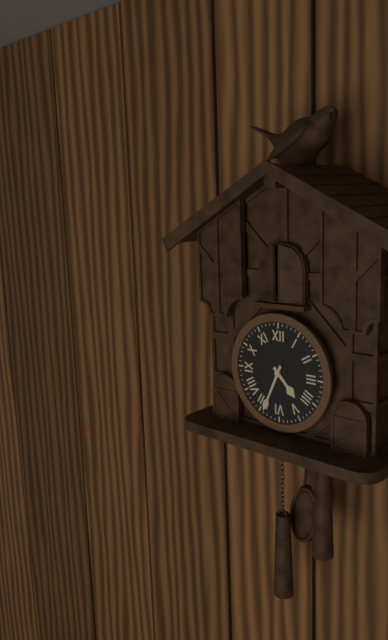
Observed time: 4:34
